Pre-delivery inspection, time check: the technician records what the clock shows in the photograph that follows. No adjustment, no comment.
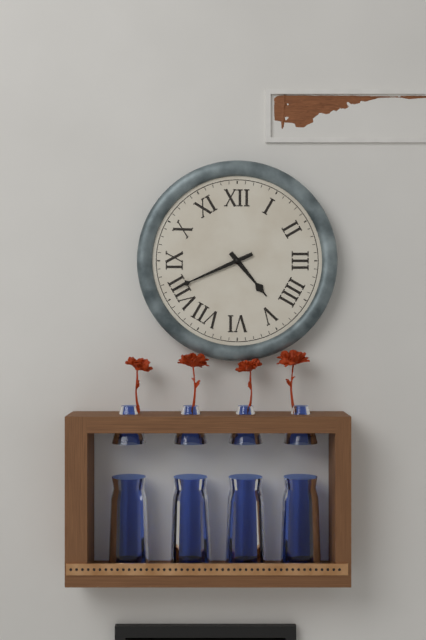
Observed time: 4:41
